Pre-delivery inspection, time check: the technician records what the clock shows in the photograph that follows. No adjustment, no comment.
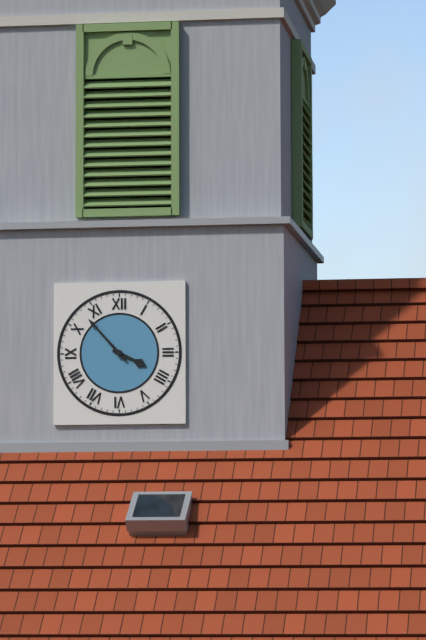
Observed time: 3:53
